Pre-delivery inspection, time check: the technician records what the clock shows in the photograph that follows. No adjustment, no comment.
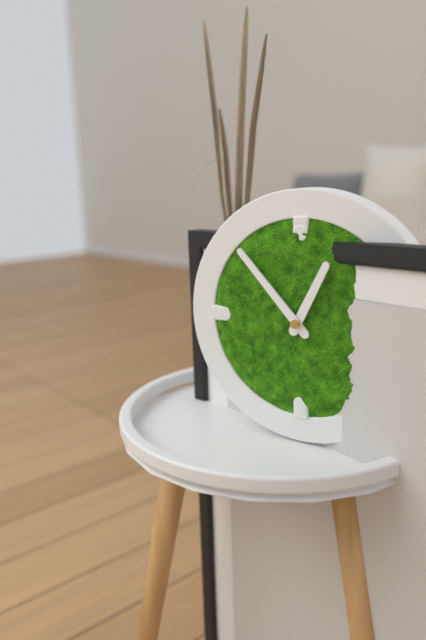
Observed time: 12:53
